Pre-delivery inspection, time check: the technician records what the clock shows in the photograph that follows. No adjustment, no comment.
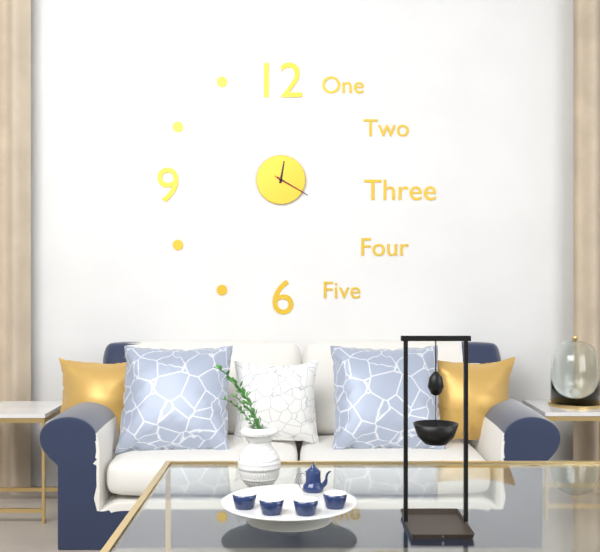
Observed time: 12:20
